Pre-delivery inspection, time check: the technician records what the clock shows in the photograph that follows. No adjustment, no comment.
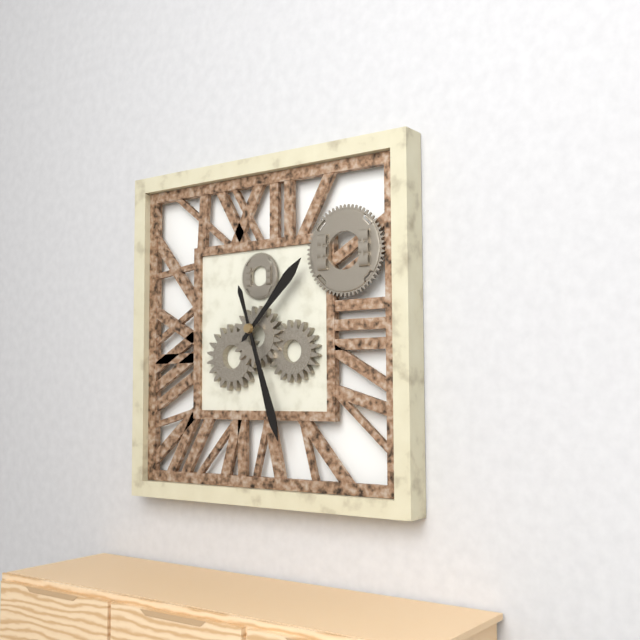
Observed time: 1:27
